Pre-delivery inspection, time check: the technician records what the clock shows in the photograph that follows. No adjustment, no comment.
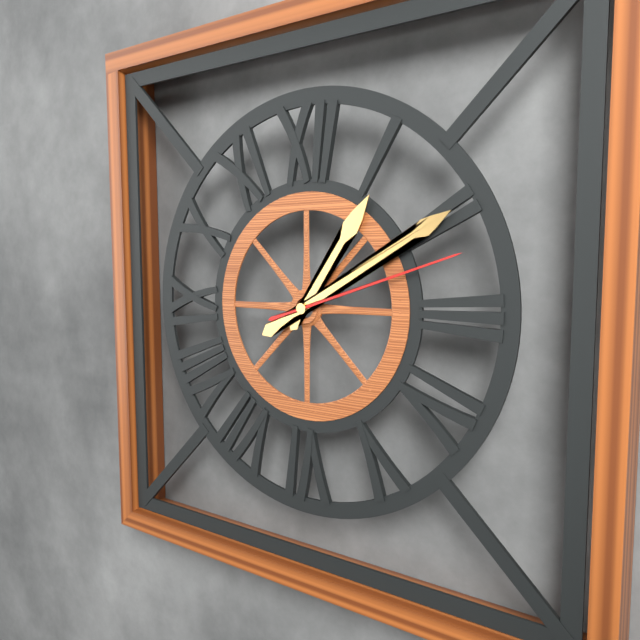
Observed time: 1:10:12
